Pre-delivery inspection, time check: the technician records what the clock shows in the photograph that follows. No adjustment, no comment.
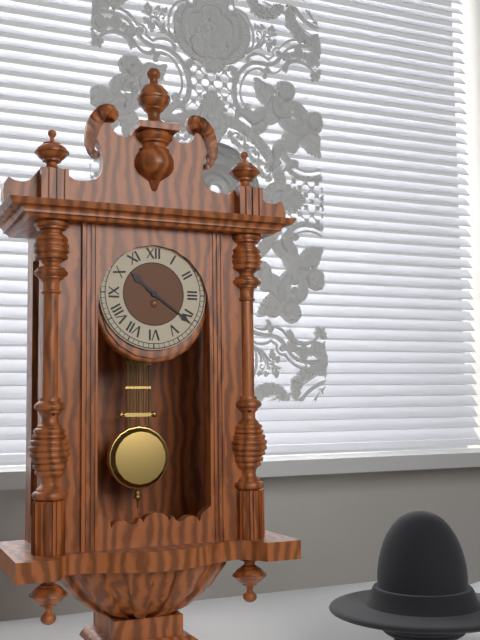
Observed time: 10:21
